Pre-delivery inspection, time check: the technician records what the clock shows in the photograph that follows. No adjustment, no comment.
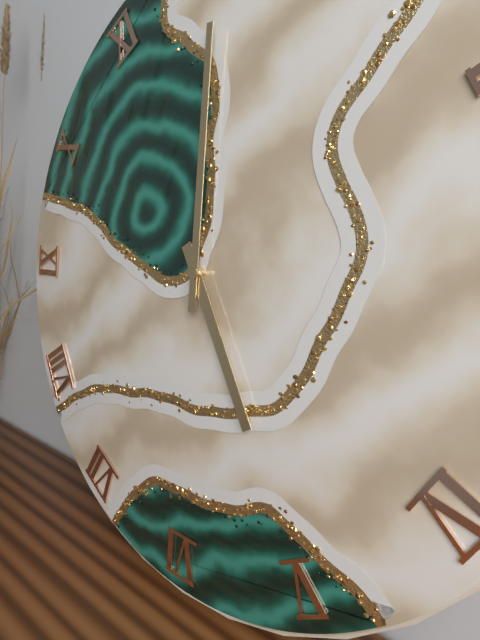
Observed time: 5:00
